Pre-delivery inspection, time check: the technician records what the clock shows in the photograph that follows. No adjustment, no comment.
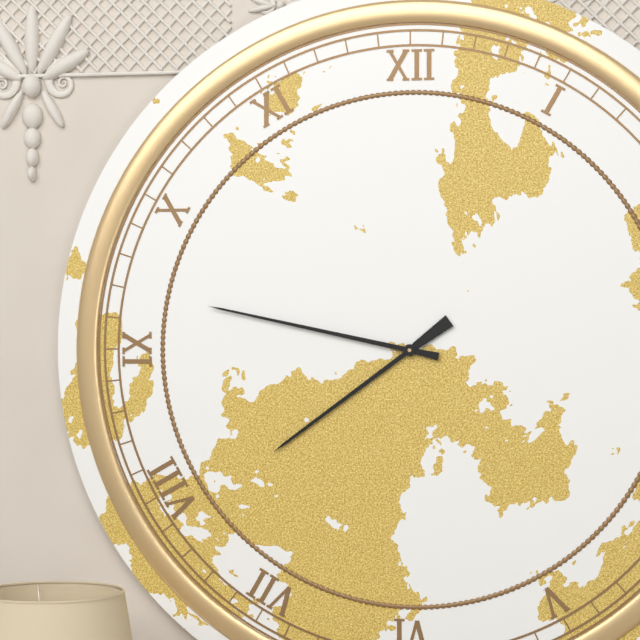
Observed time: 7:47
